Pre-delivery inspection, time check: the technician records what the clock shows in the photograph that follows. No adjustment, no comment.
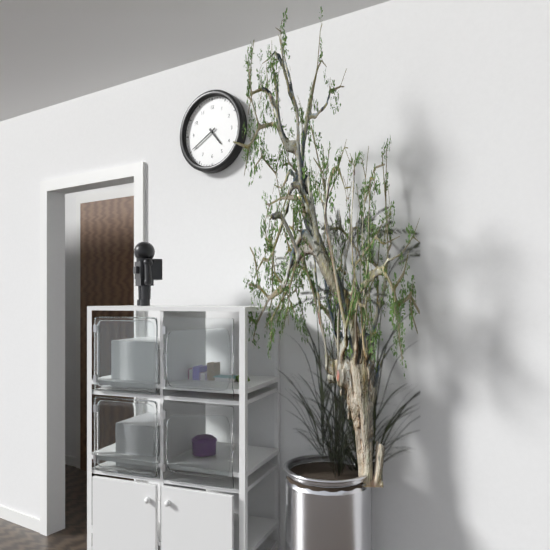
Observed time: 4:40
